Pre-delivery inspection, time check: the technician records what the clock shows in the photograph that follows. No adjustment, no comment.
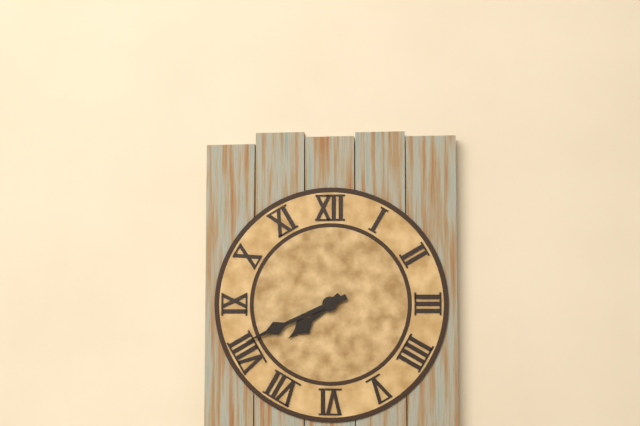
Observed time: 7:41
